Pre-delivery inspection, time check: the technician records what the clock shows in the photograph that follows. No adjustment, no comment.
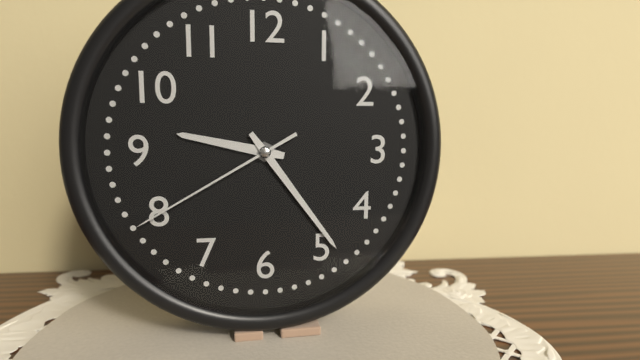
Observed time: 9:24:40
